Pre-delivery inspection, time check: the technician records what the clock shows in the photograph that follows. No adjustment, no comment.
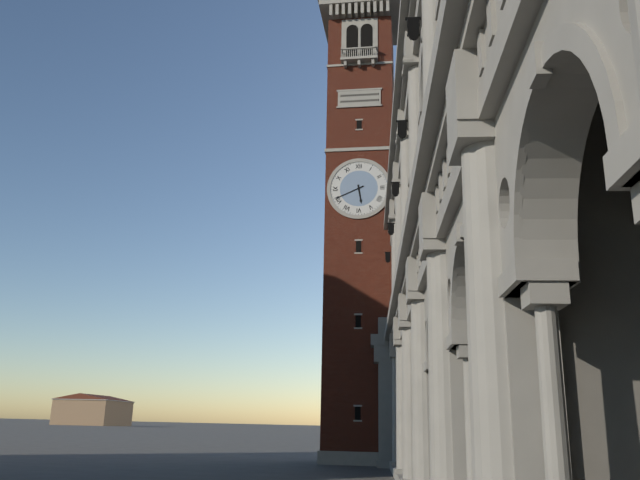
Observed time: 5:41
